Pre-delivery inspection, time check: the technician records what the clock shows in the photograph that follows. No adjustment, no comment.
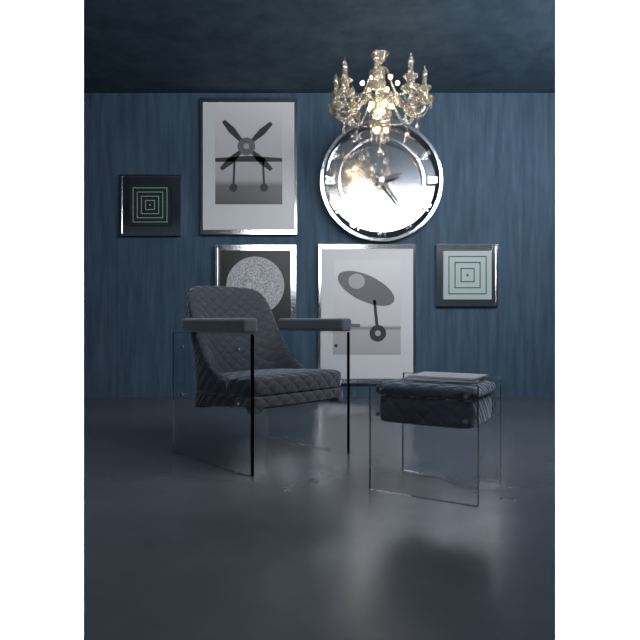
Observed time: 2:24
